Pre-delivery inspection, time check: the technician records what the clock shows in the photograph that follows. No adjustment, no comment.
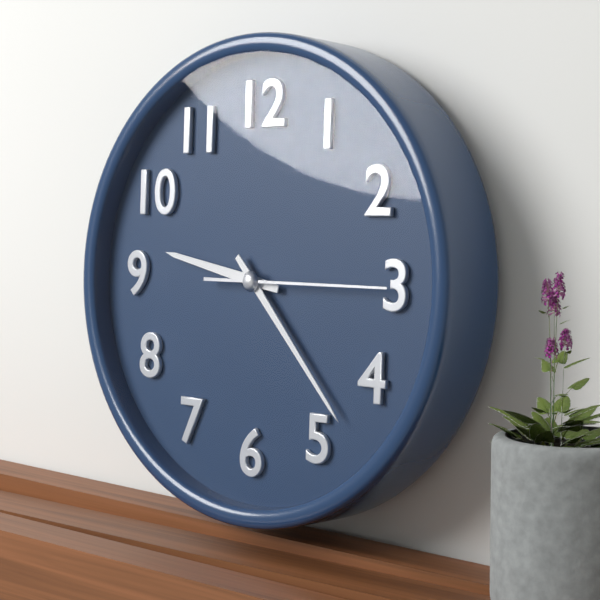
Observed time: 9:23:15
